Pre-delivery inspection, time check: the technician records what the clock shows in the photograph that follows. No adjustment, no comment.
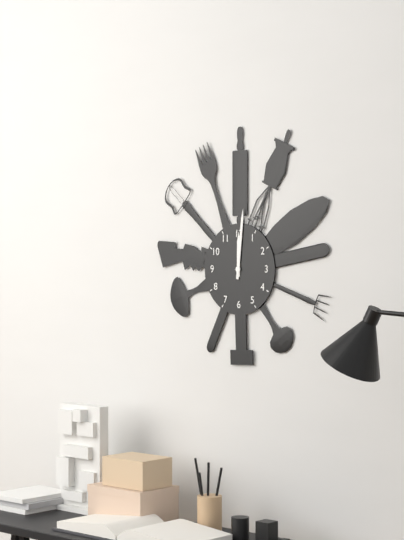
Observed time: 12:01
